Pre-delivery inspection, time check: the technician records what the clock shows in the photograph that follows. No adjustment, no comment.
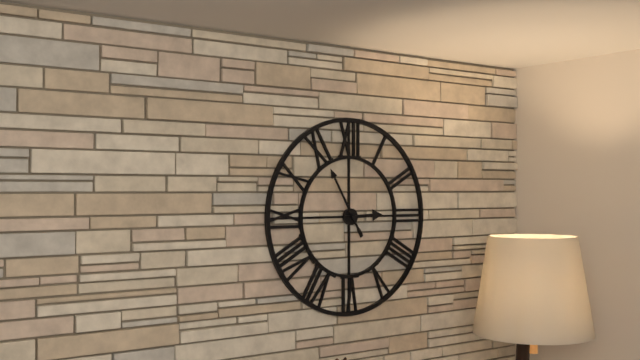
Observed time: 2:55
